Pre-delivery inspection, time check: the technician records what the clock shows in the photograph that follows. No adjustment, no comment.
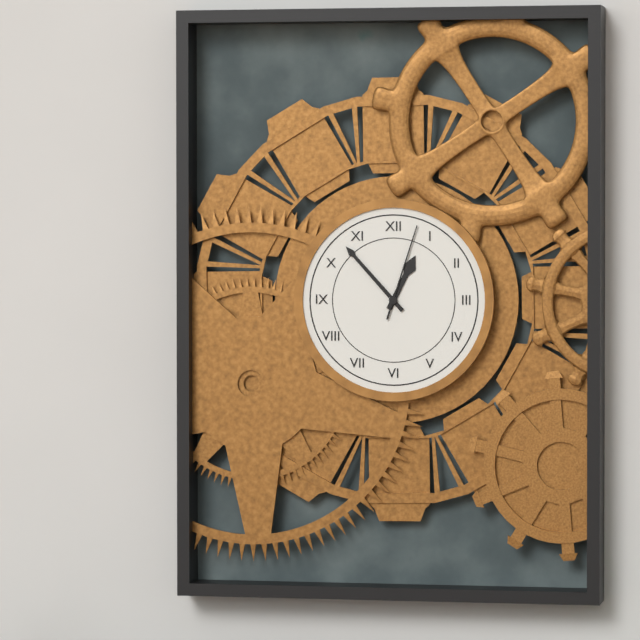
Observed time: 12:53:03
